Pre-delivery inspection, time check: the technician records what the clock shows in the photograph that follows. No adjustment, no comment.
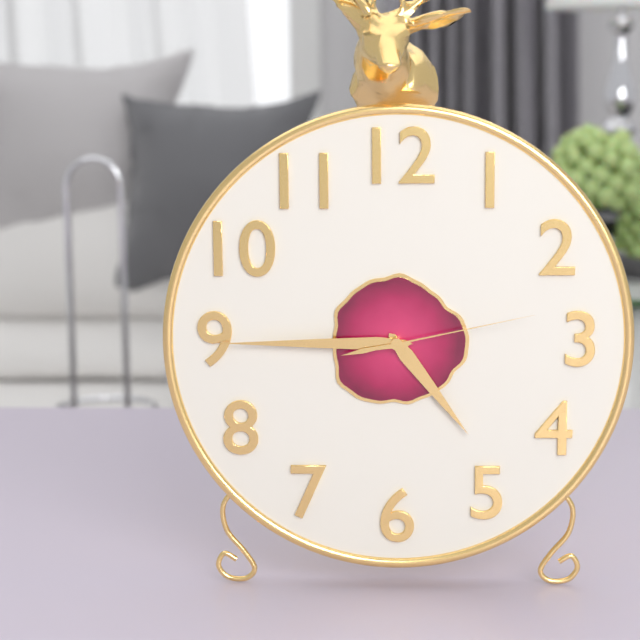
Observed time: 4:45:13
